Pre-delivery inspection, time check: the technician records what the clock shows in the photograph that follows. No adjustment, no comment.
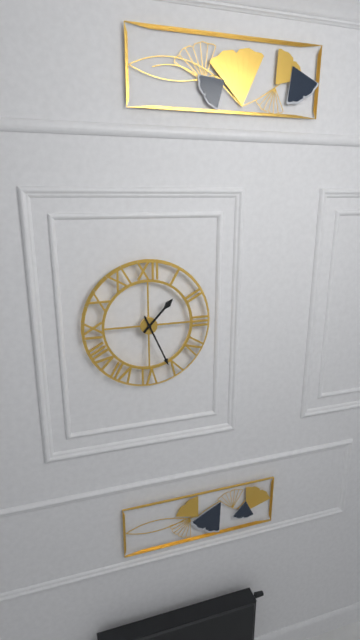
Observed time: 1:26
